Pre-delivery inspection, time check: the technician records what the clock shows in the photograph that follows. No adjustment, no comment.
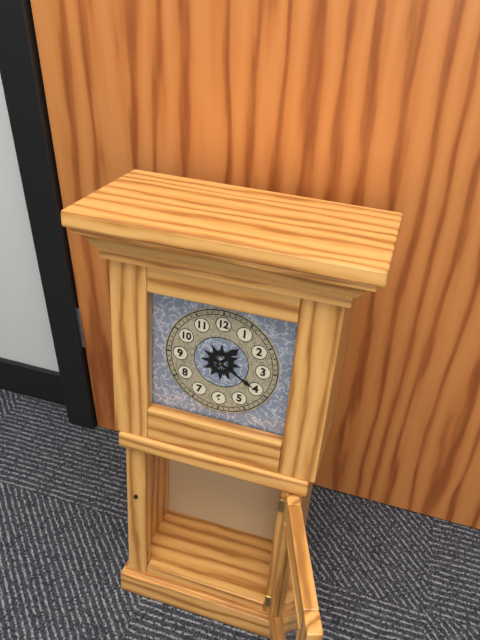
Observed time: 1:20
